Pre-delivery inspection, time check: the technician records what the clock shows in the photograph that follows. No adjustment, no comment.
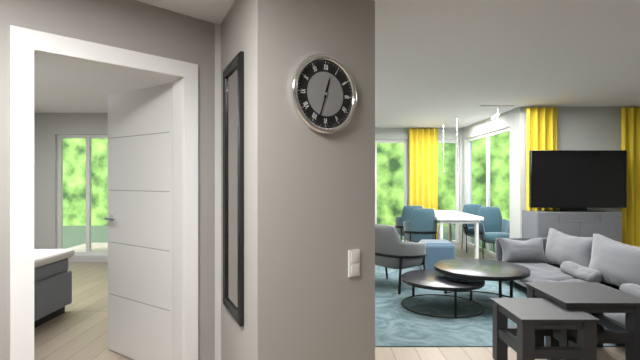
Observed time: 12:33
